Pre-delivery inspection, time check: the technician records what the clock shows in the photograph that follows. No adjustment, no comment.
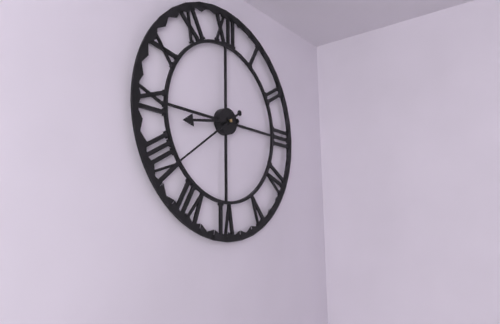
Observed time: 8:39
